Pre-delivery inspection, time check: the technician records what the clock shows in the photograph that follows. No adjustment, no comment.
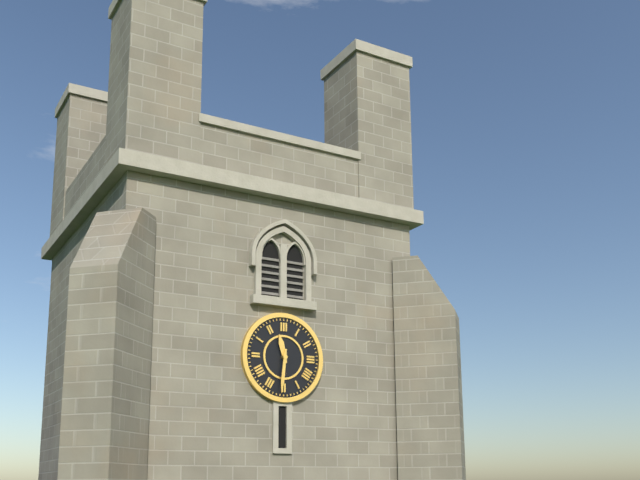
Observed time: 11:31
